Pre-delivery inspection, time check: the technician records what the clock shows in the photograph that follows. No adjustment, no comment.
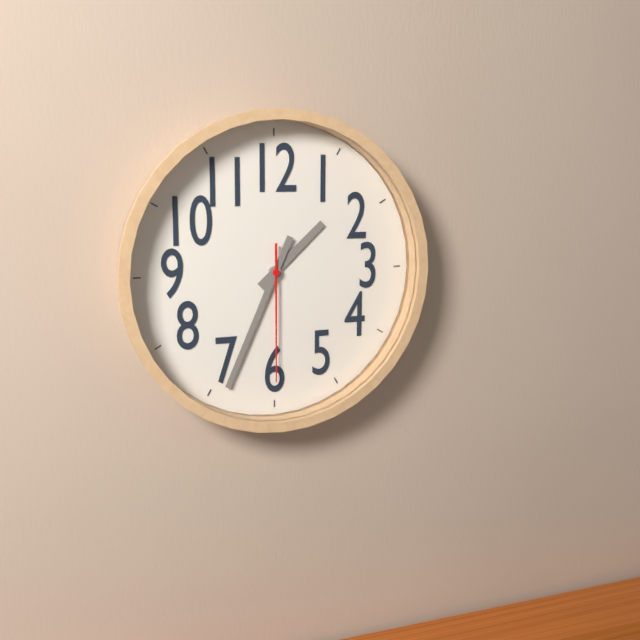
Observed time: 1:34:30
